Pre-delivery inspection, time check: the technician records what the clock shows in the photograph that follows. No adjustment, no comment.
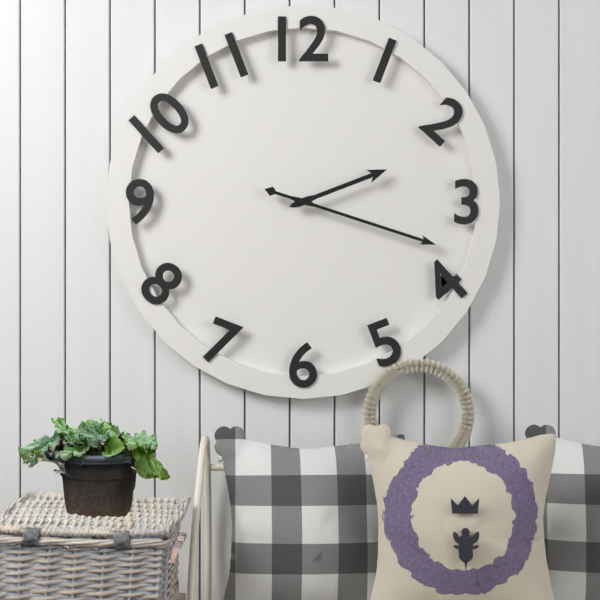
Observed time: 2:18
